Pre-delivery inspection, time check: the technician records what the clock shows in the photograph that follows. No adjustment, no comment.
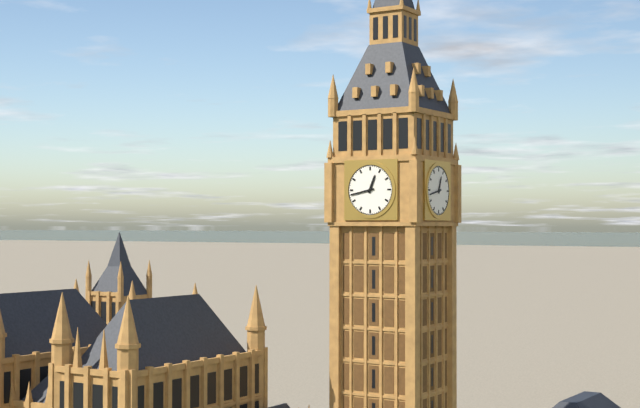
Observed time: 12:43
